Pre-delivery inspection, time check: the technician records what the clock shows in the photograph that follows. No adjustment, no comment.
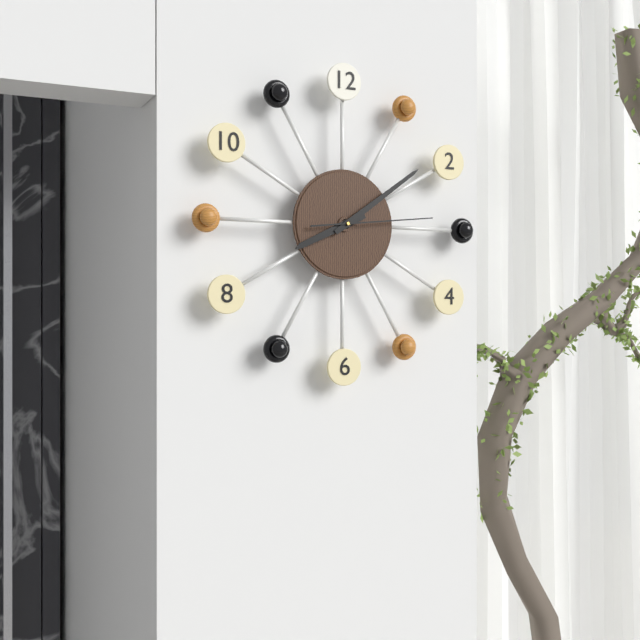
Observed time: 8:09:14
